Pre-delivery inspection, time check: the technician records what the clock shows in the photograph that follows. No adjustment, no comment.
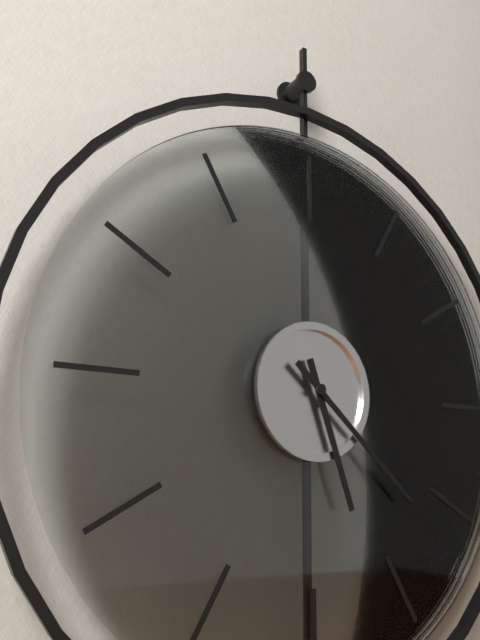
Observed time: 5:22
